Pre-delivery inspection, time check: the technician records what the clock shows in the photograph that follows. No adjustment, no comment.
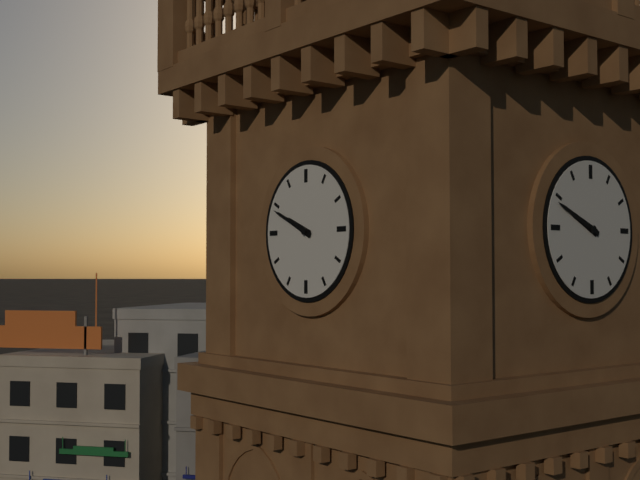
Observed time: 9:49
